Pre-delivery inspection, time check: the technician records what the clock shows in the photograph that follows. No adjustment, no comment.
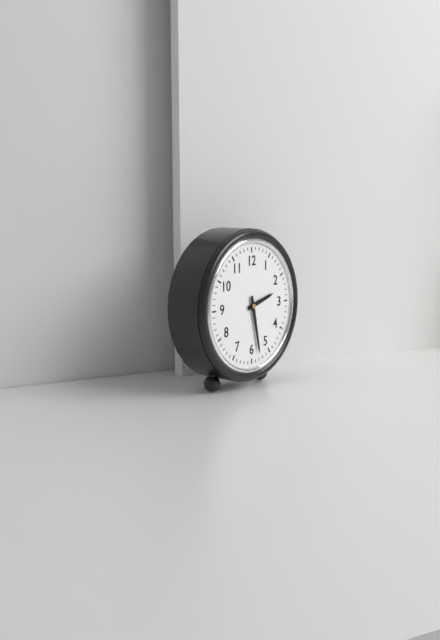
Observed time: 2:28
